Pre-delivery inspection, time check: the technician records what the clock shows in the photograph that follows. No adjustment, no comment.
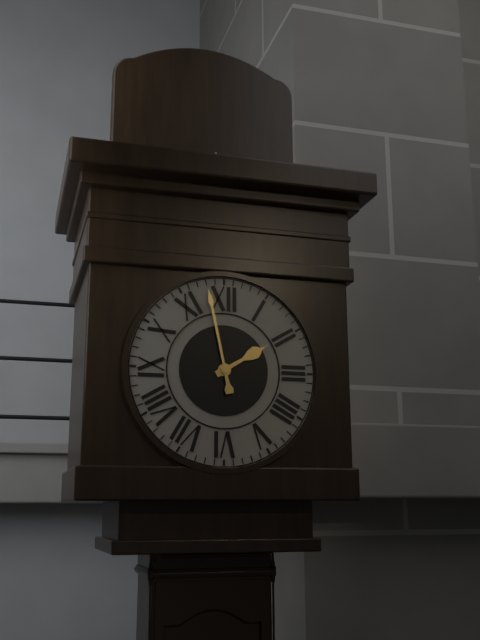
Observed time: 1:58
